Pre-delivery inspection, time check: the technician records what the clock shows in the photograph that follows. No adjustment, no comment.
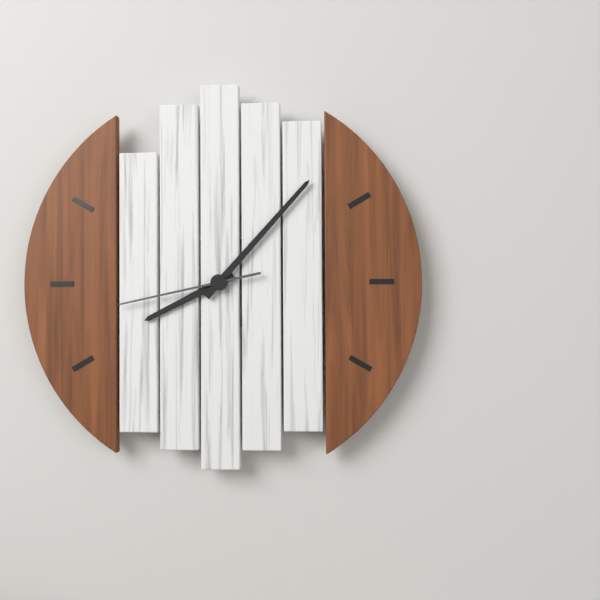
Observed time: 8:07:43
